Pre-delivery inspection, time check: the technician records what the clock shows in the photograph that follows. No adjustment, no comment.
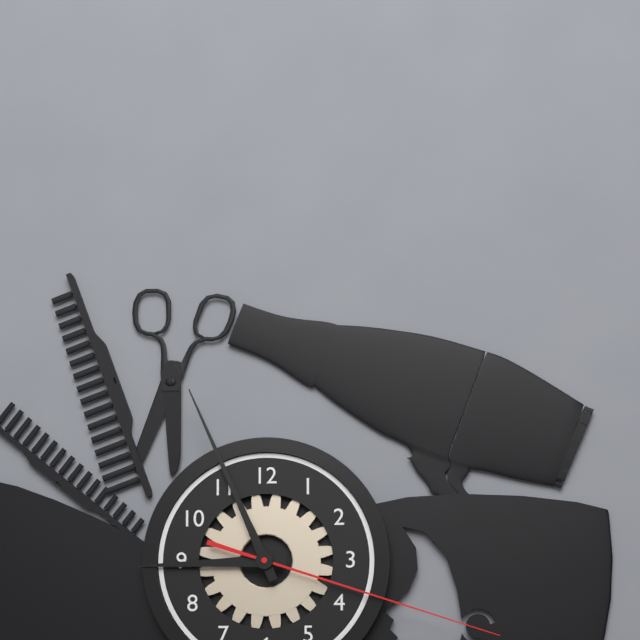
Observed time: 8:56:18
